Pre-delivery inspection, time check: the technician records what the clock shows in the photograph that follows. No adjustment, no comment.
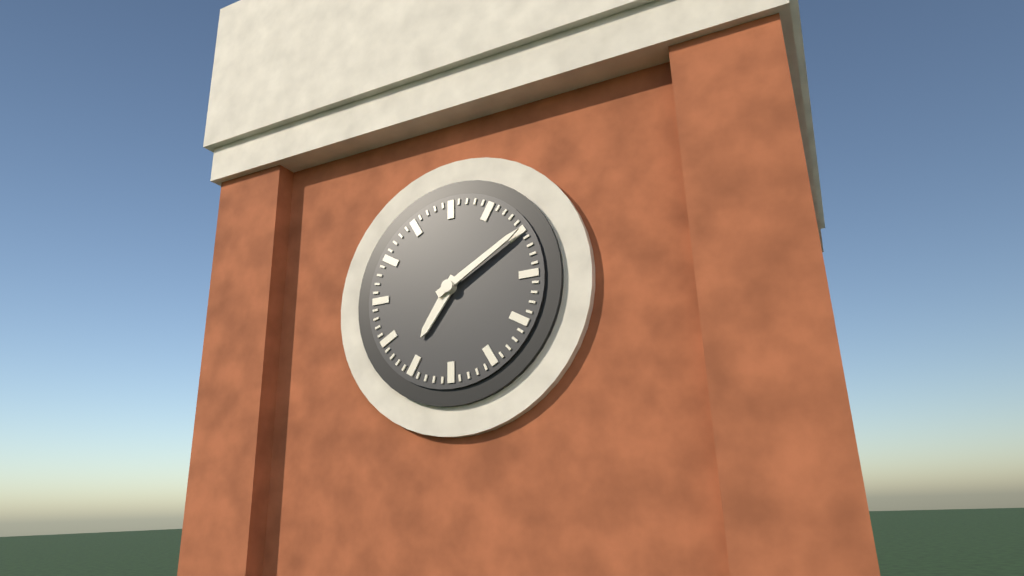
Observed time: 7:10
